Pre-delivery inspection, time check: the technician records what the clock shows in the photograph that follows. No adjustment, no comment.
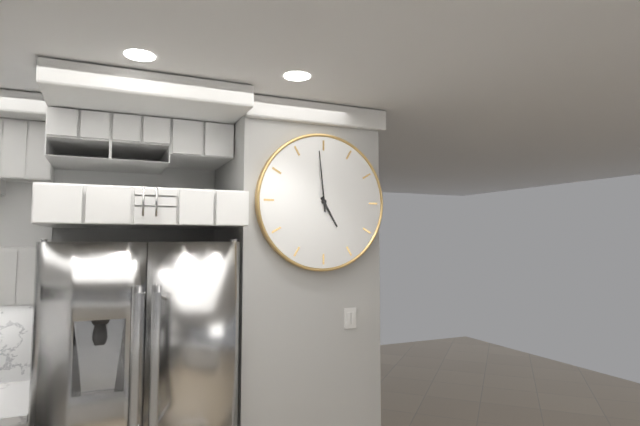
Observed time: 4:59
